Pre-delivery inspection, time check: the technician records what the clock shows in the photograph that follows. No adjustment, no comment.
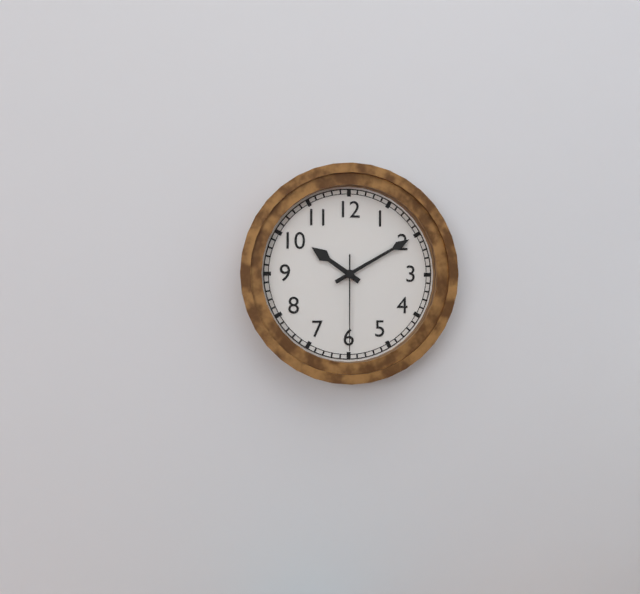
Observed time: 10:10:30
